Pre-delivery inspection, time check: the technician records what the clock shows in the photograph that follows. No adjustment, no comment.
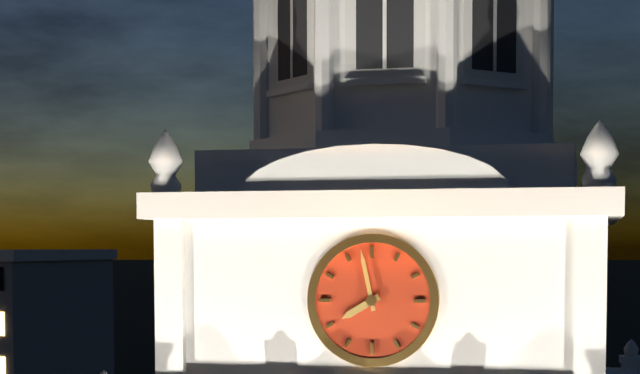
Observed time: 7:58
